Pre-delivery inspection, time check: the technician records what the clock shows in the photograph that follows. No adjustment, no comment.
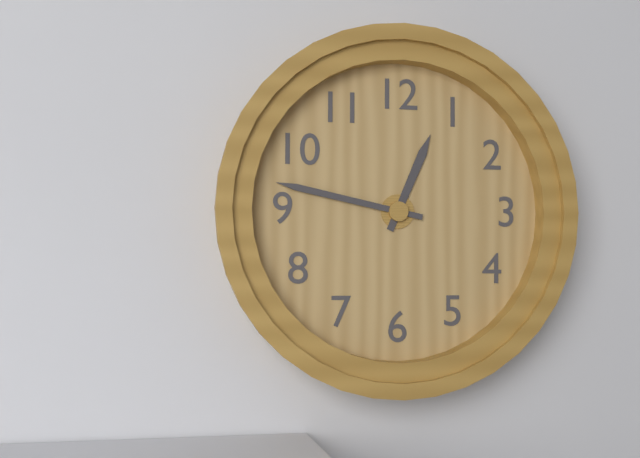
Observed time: 12:47
